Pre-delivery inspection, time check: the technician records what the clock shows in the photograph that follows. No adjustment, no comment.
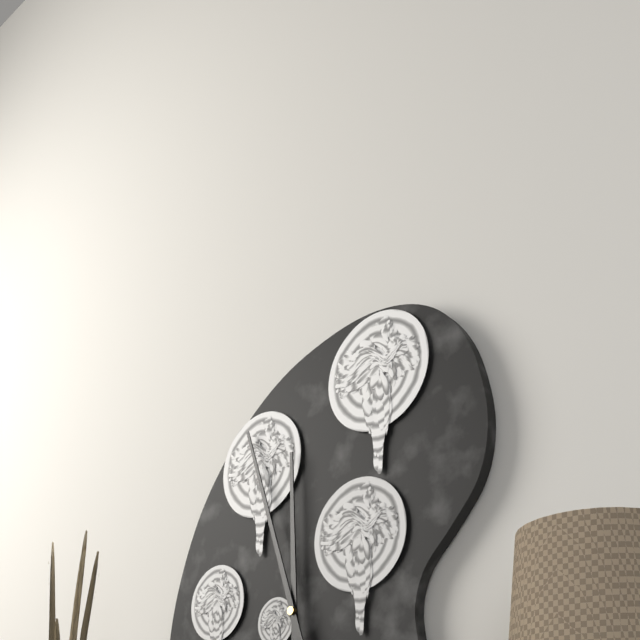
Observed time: 11:57
